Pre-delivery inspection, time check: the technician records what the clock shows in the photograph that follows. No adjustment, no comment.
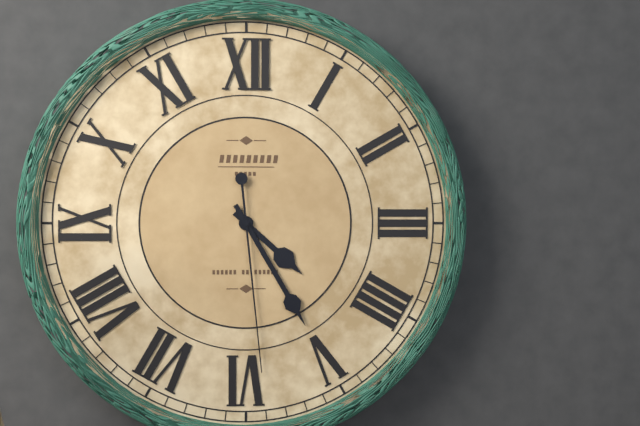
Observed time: 4:25:29
